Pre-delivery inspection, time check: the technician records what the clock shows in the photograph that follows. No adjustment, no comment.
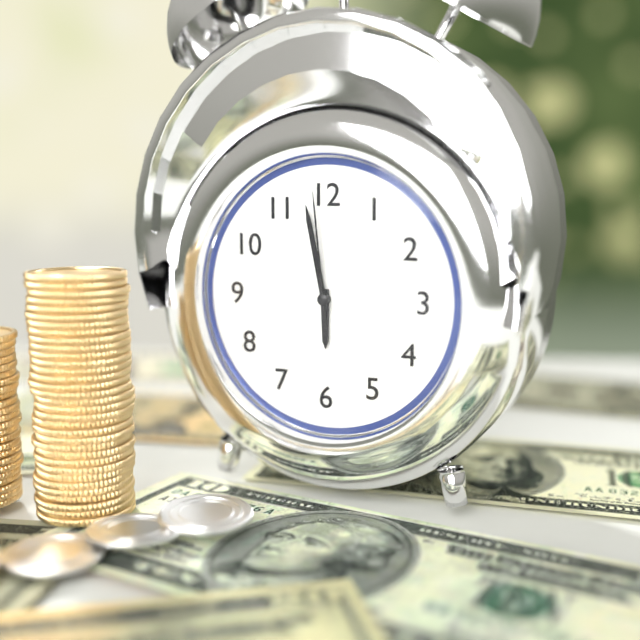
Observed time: 5:58:59
